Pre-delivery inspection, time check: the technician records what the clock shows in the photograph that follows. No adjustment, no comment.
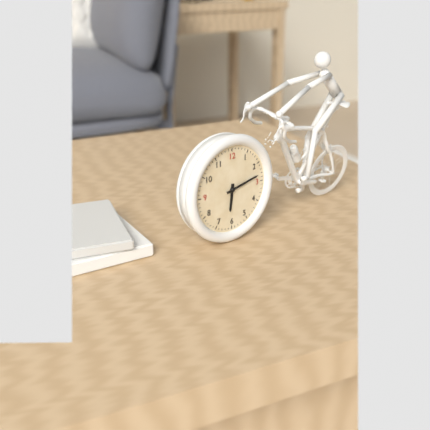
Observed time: 6:13
